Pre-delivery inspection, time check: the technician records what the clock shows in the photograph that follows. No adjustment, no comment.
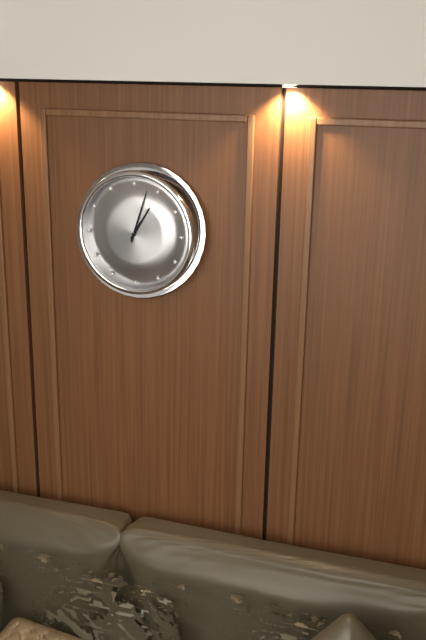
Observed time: 1:03
